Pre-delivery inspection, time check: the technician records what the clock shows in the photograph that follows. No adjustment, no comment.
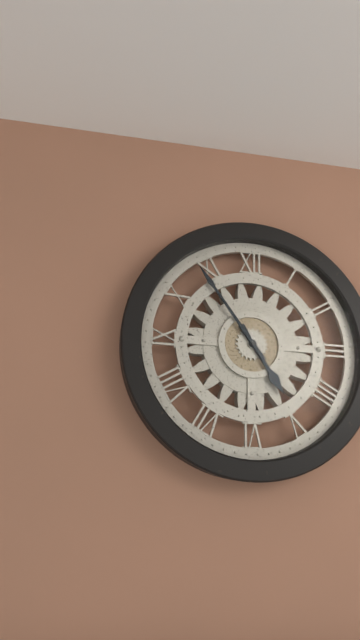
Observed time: 4:54
